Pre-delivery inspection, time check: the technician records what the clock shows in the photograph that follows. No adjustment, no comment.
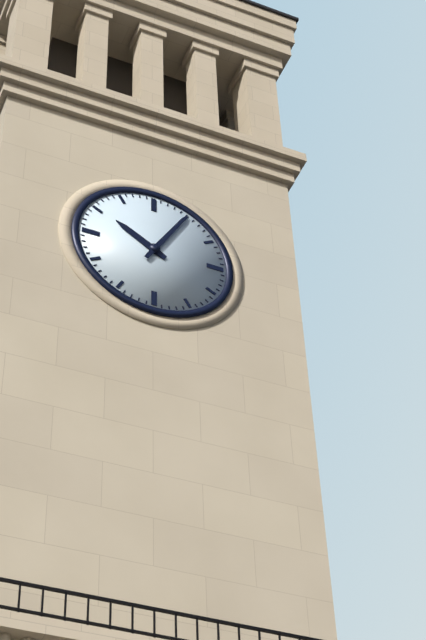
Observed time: 10:05
